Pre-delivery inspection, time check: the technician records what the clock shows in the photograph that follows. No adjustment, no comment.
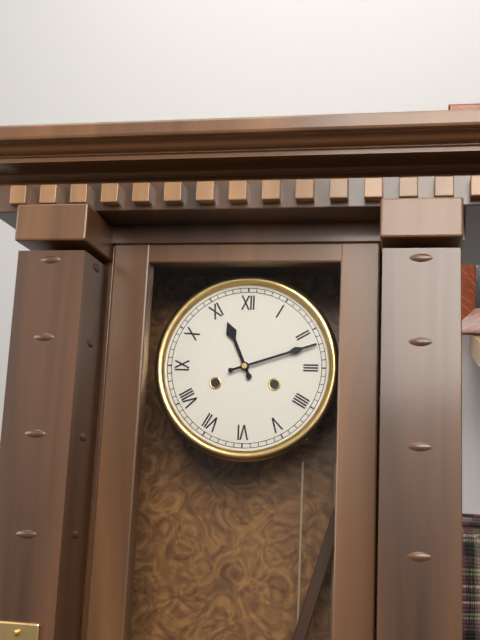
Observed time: 11:12
